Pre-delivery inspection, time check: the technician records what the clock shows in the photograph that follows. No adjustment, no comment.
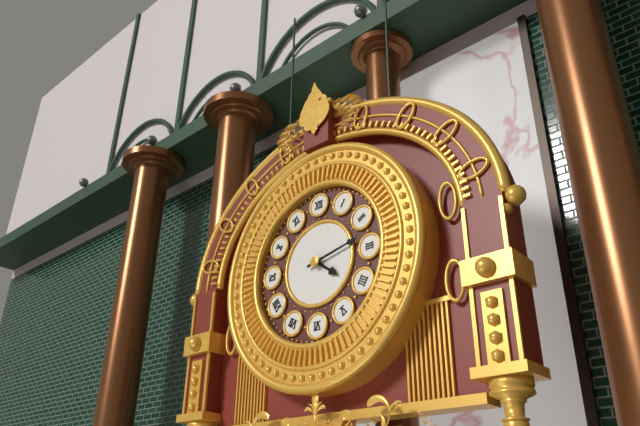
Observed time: 4:13
